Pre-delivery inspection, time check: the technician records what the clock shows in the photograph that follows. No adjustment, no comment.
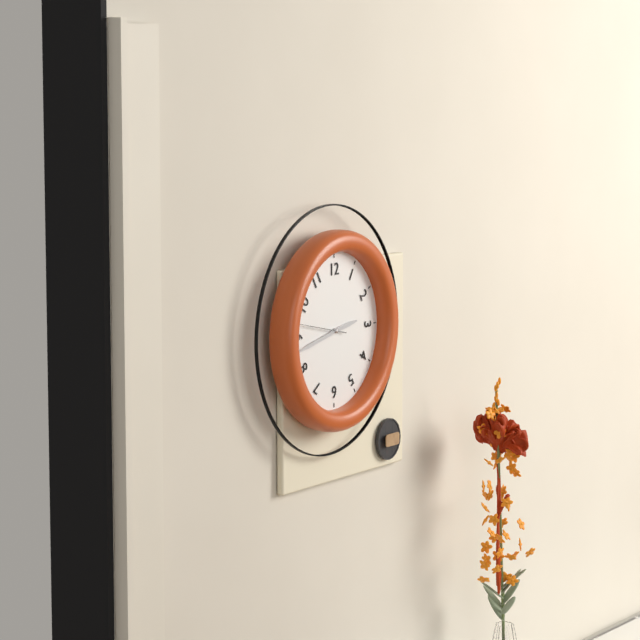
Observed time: 2:43
